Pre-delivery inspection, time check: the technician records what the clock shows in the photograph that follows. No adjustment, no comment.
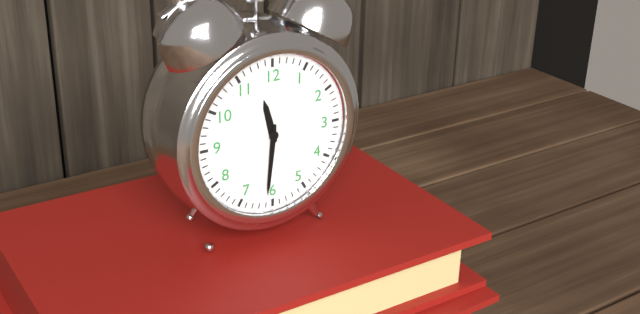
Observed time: 11:31
